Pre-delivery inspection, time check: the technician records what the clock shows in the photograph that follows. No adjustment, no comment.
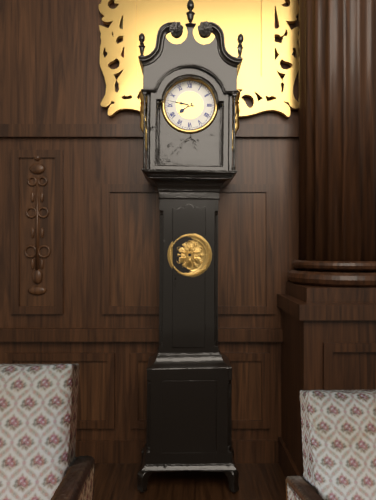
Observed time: 7:47
